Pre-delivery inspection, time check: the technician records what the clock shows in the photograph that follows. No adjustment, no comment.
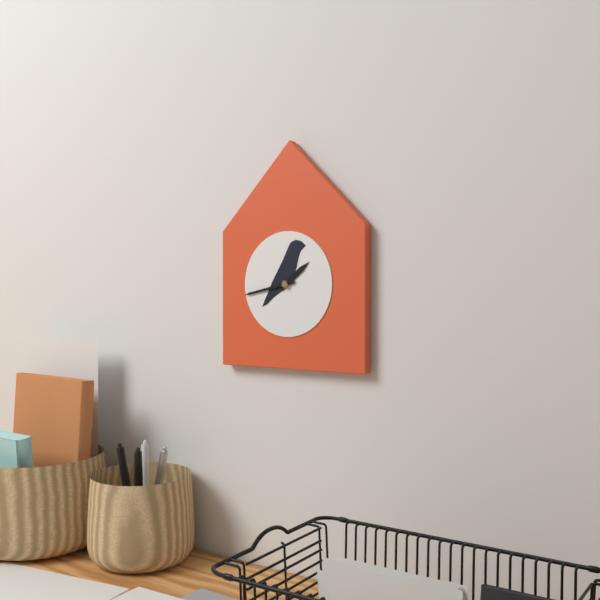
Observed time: 1:43
